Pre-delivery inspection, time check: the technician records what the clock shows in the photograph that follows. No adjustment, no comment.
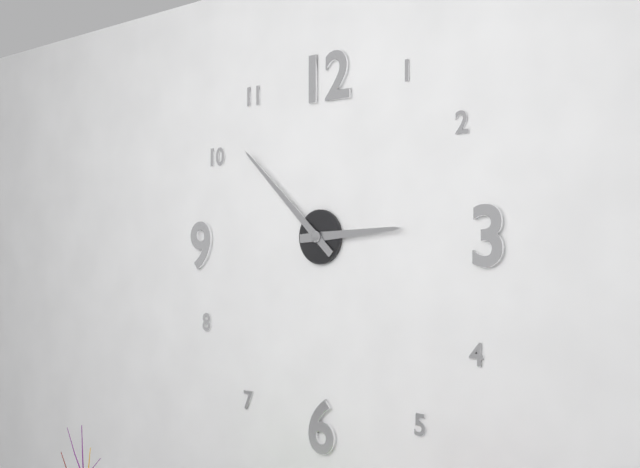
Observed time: 2:52
